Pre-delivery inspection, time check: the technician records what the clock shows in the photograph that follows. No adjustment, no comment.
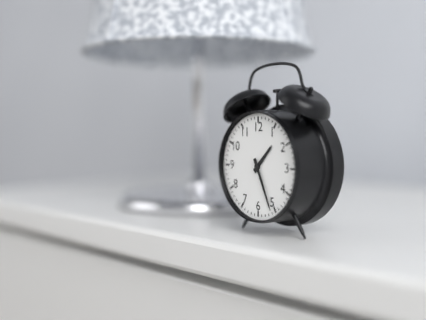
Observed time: 1:26
